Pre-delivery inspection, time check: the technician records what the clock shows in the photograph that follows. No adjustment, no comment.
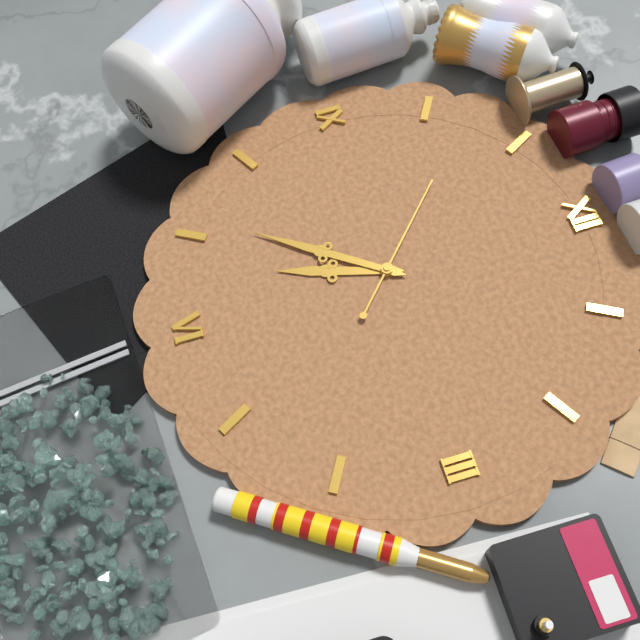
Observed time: 6:36:52
